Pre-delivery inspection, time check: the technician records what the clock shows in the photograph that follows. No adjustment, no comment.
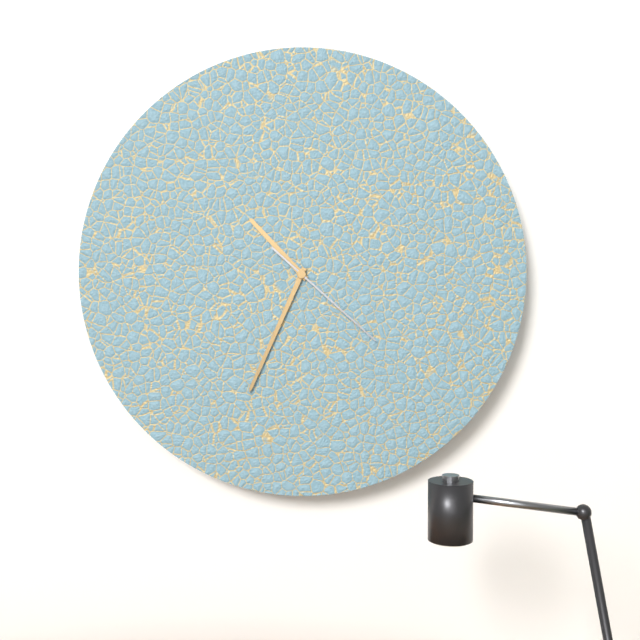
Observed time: 10:34:22
